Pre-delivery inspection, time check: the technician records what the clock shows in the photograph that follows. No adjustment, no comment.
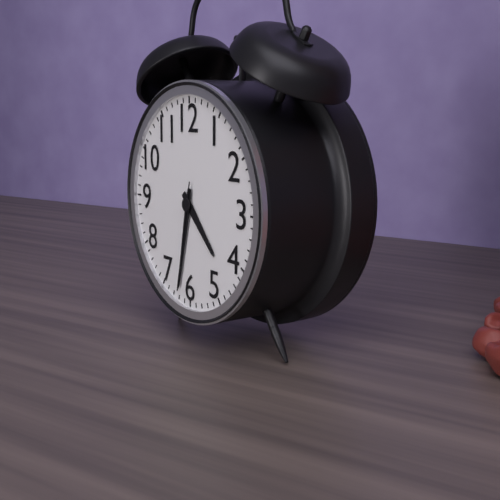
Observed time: 4:32:32
